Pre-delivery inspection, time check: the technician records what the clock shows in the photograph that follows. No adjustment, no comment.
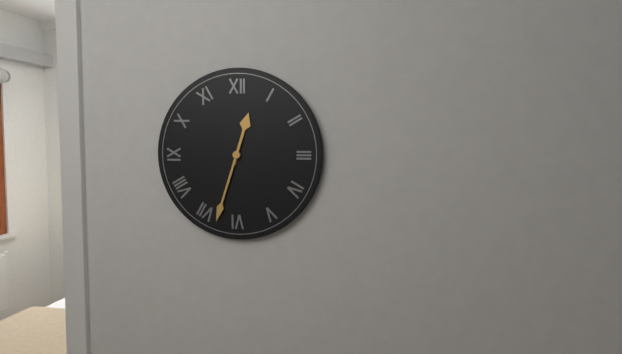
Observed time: 12:33
